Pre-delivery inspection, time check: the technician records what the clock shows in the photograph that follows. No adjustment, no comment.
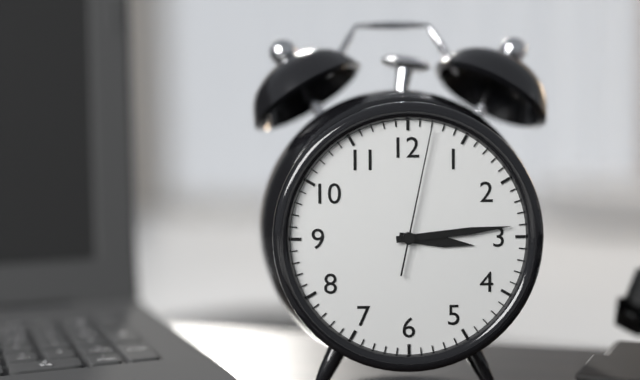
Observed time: 3:14:02
